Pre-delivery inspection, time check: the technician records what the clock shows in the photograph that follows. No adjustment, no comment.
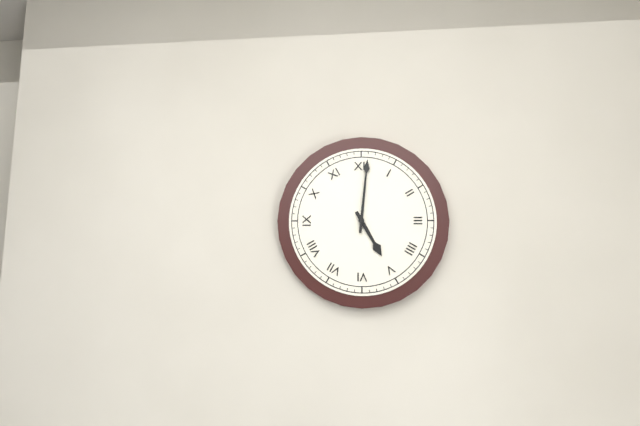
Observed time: 5:01
